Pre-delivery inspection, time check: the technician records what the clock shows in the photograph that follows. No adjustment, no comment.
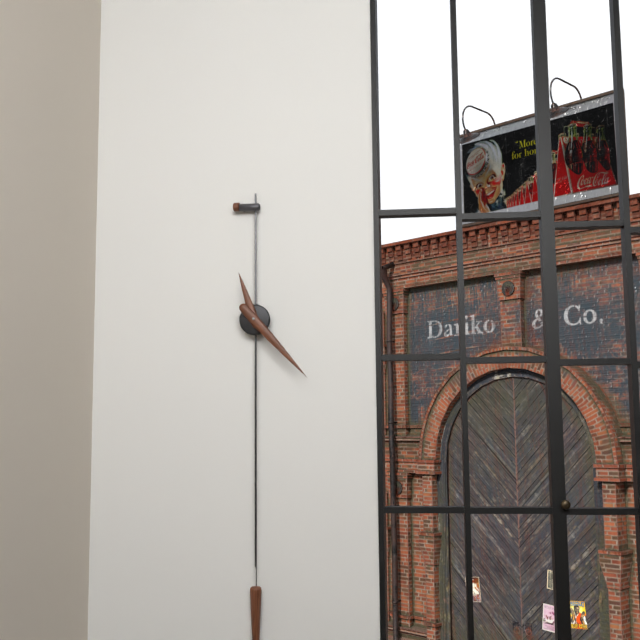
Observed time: 11:23
